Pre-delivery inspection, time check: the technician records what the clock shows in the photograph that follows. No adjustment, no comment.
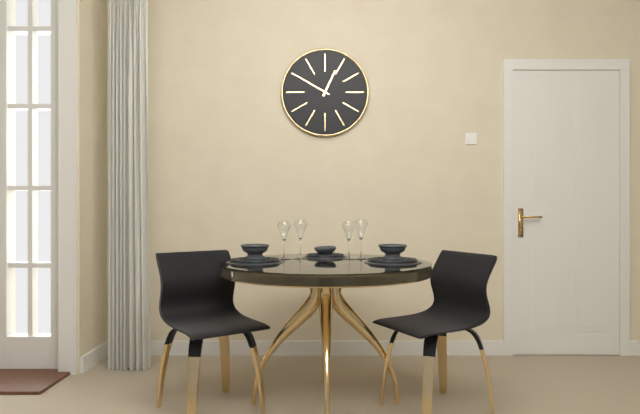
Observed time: 12:50
